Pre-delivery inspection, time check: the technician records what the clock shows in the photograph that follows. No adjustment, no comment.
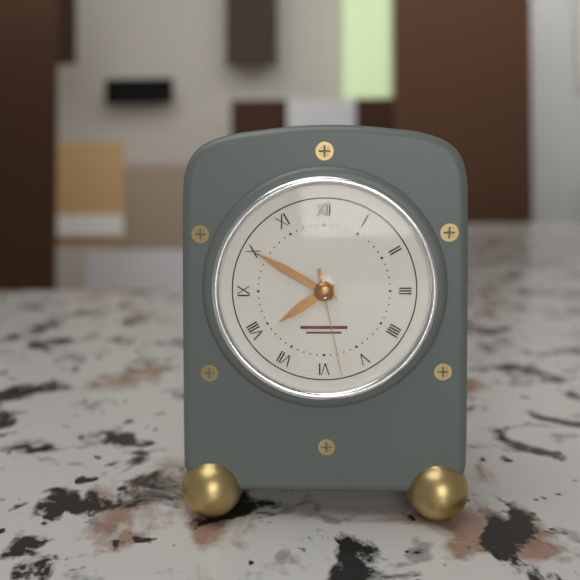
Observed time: 7:50:28
